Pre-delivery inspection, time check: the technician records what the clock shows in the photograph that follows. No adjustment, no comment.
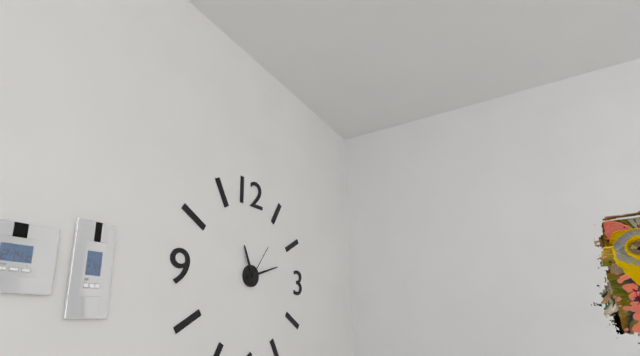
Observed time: 11:12
